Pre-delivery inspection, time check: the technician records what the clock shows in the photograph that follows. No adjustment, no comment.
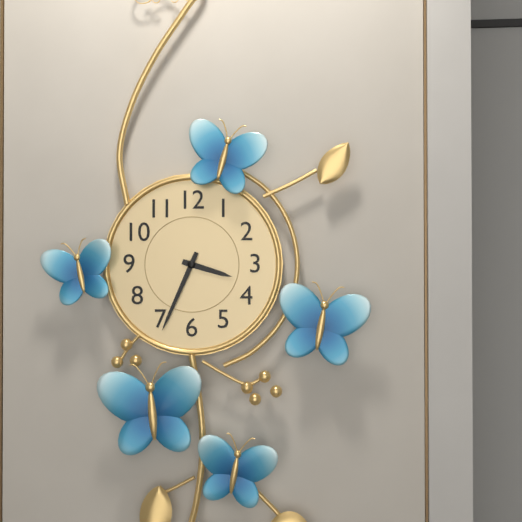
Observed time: 3:34
